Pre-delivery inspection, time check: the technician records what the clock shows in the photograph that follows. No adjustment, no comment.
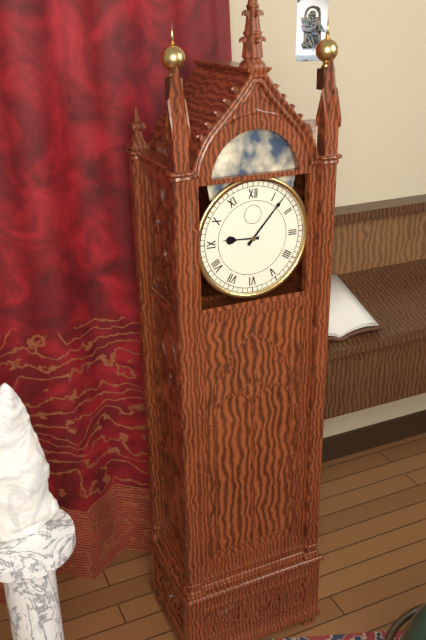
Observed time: 9:07
